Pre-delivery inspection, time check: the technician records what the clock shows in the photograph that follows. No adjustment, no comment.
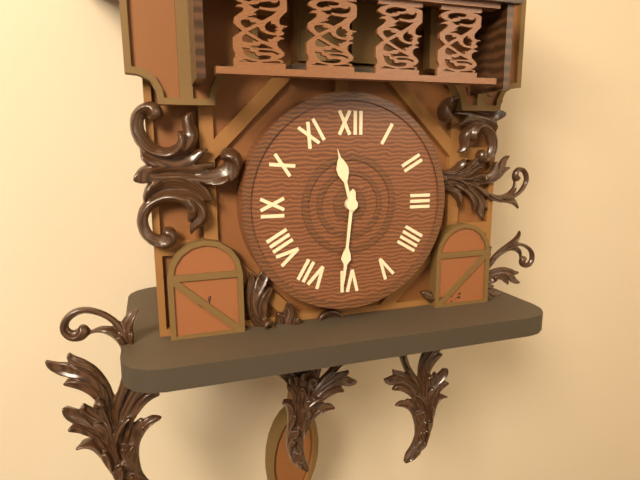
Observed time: 11:31
